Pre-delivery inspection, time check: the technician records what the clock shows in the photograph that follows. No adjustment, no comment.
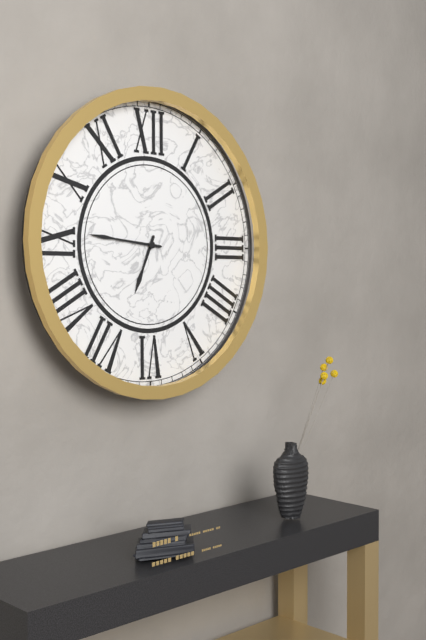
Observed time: 6:46
